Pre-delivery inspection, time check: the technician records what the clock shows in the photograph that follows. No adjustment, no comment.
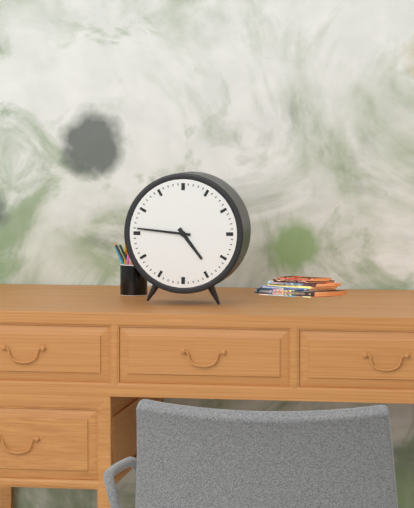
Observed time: 4:46
